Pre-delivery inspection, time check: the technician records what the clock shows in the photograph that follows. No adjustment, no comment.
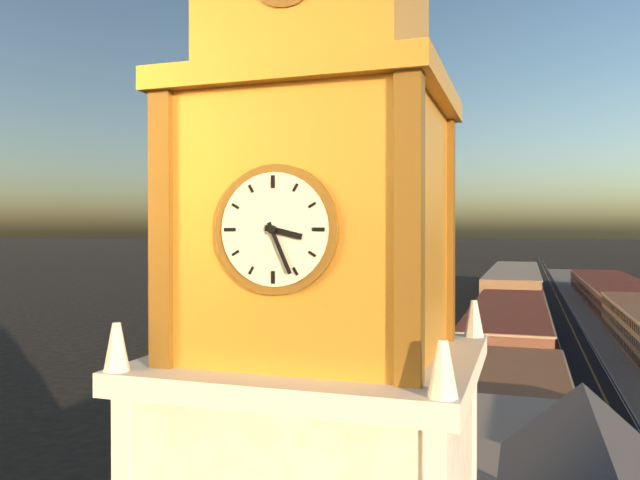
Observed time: 3:26
